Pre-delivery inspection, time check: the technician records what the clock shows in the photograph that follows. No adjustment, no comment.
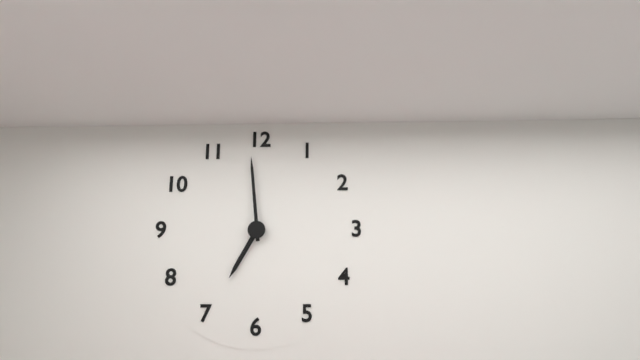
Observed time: 6:59
